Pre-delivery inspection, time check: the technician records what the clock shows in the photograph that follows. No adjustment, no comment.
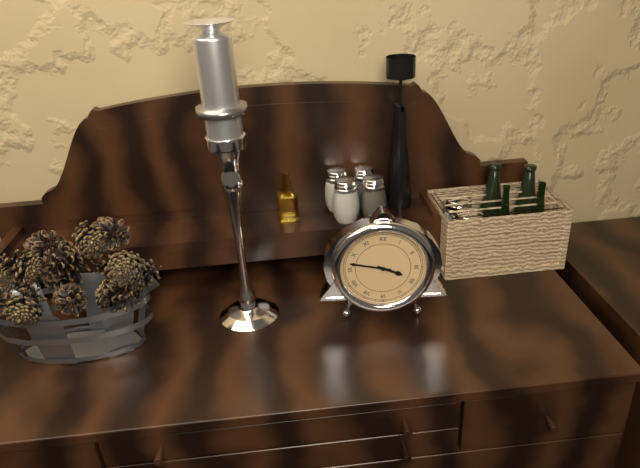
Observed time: 3:47
